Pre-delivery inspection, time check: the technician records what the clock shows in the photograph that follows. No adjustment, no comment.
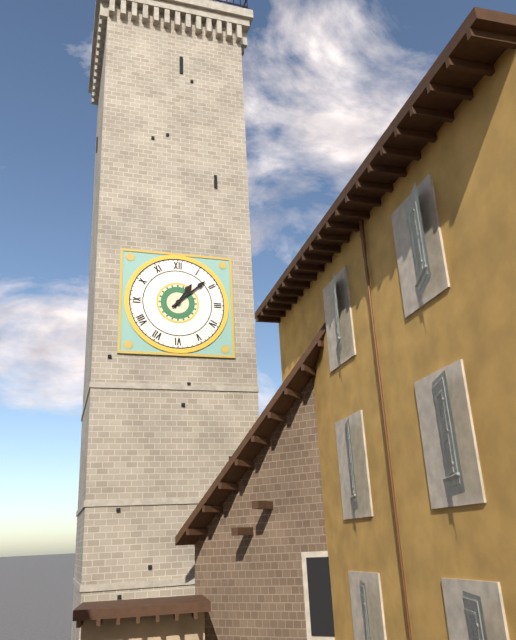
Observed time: 1:08
